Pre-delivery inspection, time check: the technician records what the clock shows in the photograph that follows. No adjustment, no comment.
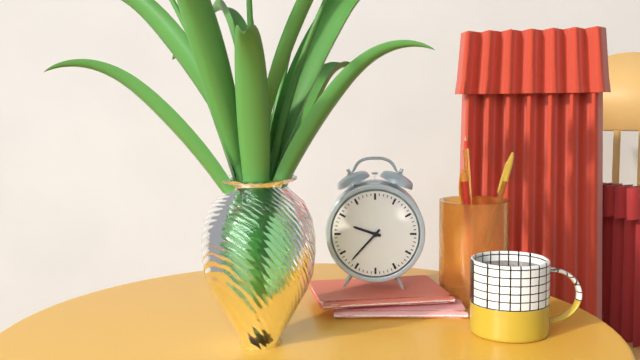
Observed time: 9:37
